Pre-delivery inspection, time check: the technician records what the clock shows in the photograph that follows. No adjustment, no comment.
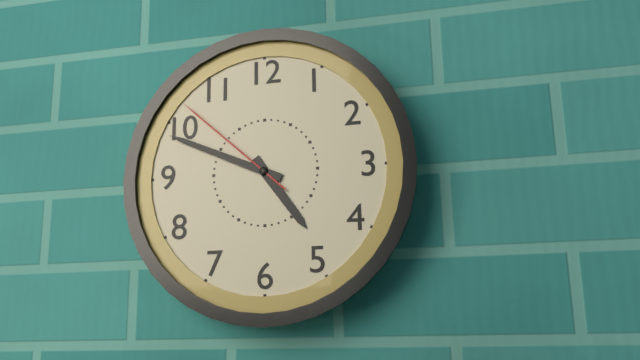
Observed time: 4:49:52
